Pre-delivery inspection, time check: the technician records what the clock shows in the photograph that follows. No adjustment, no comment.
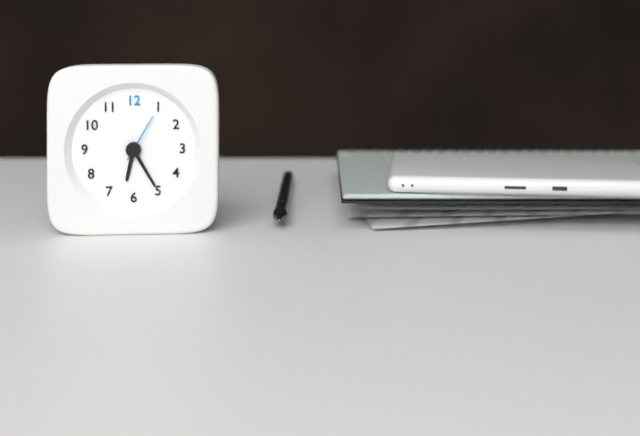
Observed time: 6:25:05
